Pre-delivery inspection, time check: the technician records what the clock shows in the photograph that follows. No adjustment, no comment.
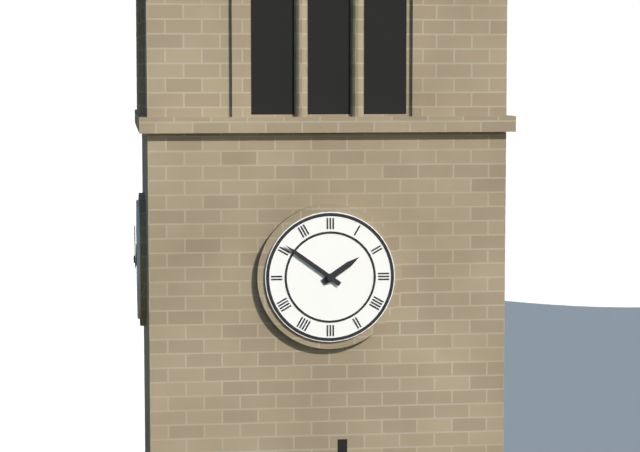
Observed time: 1:51
